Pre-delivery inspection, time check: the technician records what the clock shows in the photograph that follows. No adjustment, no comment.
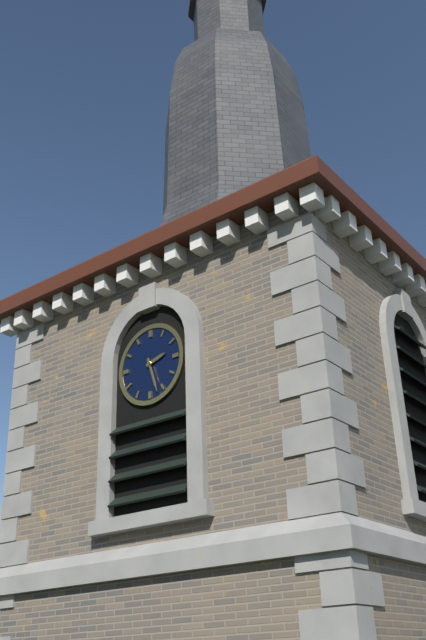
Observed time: 2:27
